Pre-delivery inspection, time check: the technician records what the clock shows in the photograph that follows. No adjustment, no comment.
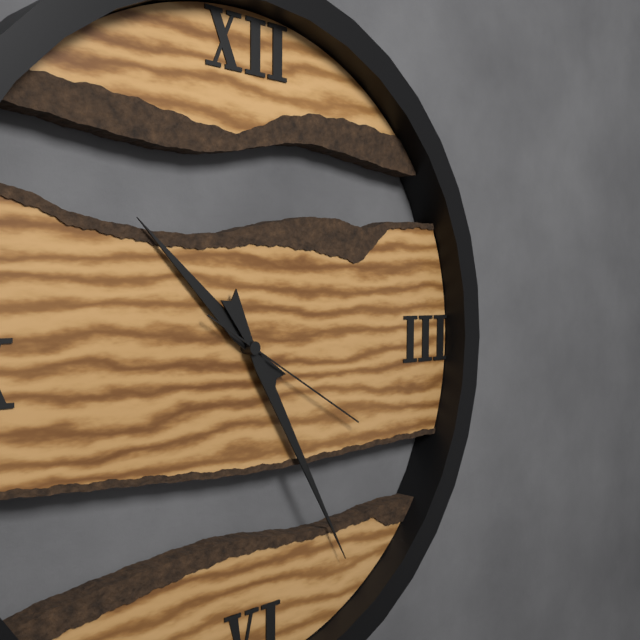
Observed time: 10:25:20
